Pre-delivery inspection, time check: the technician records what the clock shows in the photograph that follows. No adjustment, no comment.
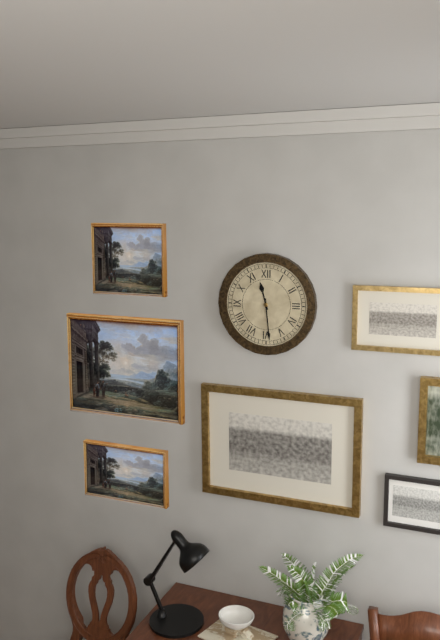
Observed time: 11:29
